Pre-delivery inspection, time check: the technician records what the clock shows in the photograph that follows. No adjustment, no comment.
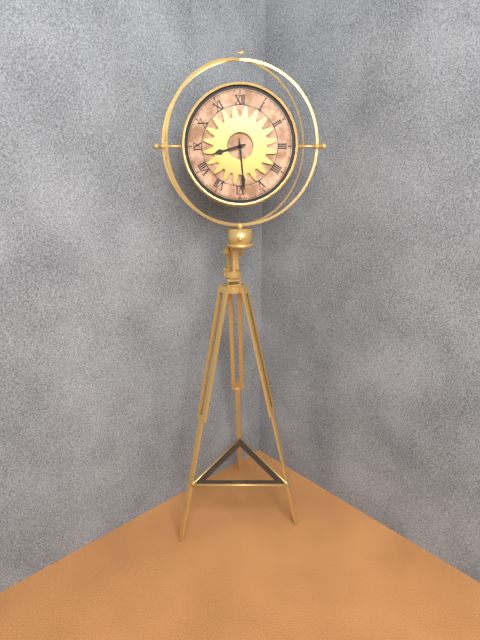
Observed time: 8:29
